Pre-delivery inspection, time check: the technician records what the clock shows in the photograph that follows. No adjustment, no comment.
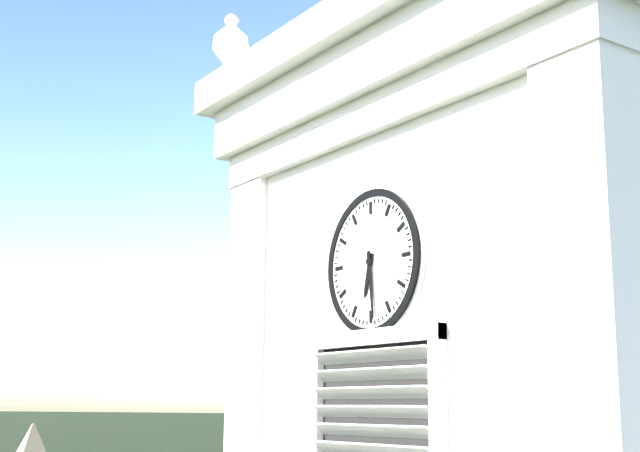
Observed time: 6:29
